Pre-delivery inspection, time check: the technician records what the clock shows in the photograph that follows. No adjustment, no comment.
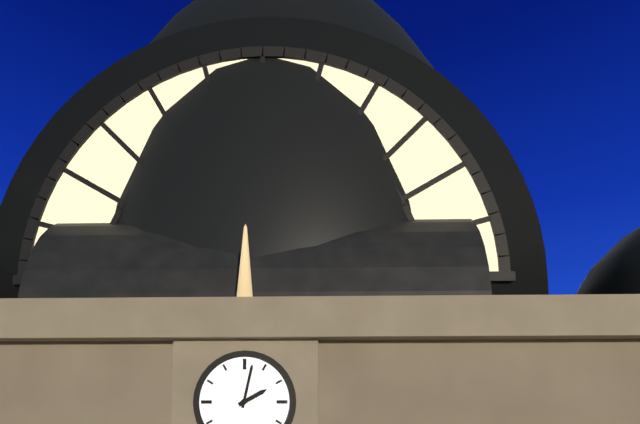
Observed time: 2:02
